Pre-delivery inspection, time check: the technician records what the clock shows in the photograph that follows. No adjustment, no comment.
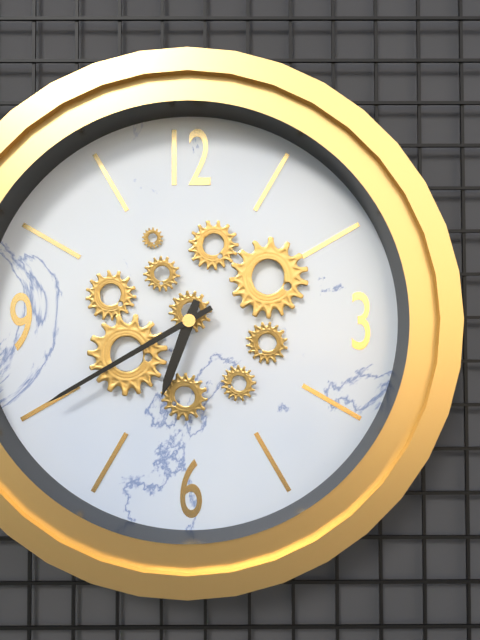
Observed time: 6:40
